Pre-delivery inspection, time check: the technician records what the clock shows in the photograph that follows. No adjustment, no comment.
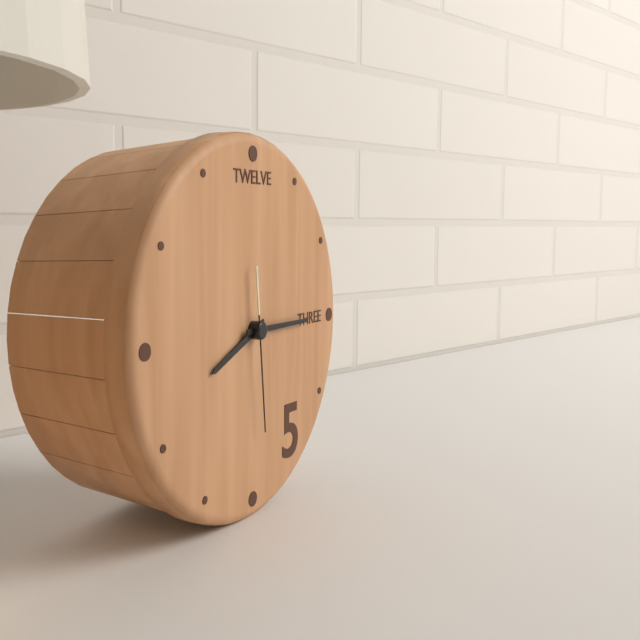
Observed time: 8:15:29
